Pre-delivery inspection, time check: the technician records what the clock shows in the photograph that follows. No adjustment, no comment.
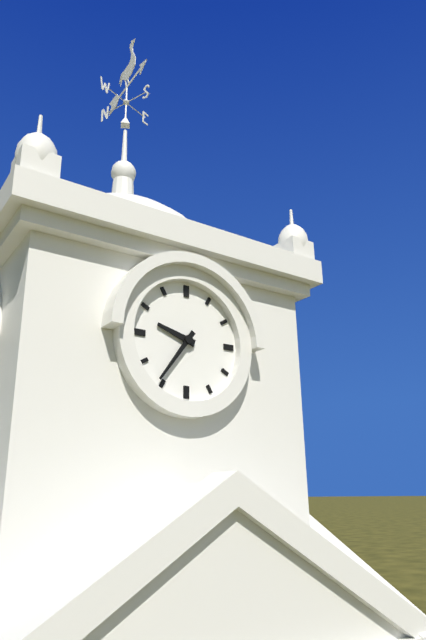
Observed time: 9:36
